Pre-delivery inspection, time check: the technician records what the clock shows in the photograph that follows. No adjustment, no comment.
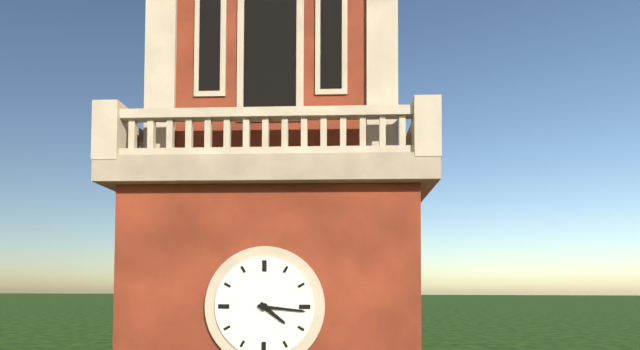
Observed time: 4:16
